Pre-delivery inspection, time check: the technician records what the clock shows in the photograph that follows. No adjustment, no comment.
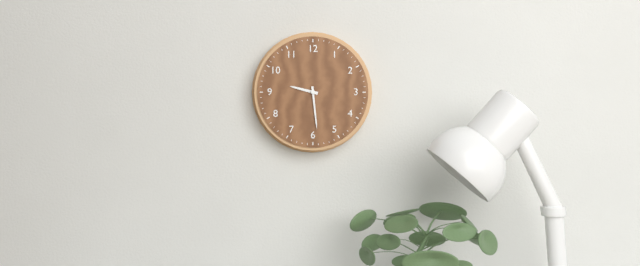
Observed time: 9:29
